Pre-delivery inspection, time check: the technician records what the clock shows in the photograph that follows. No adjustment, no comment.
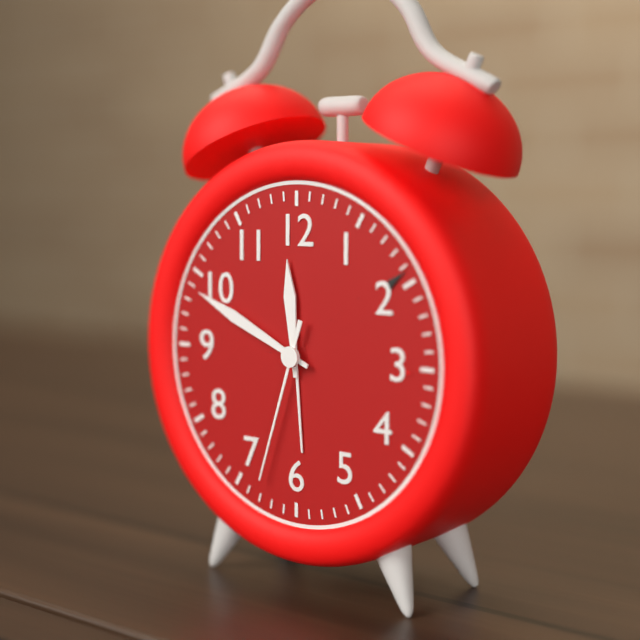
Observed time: 11:49:33
